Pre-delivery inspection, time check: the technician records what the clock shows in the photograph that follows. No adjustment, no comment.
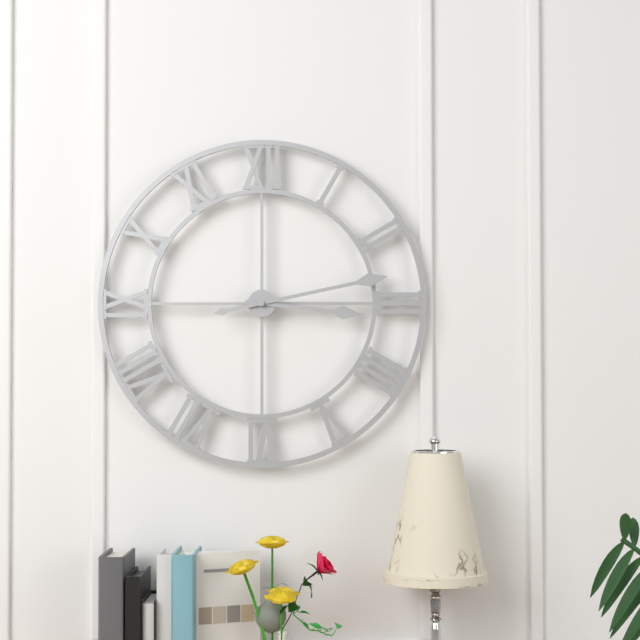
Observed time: 3:13
